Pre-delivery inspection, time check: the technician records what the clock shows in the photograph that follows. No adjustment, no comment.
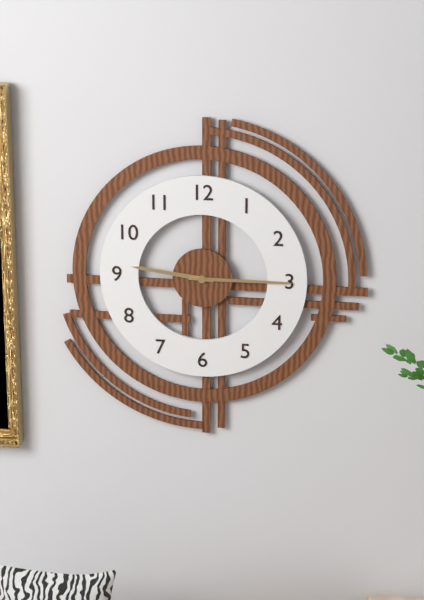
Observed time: 9:15
